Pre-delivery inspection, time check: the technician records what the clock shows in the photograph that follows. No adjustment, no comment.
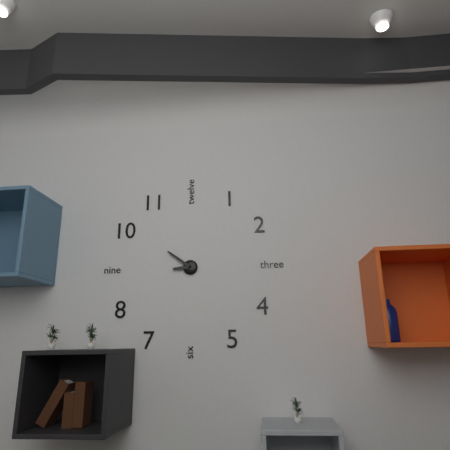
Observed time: 8:51
